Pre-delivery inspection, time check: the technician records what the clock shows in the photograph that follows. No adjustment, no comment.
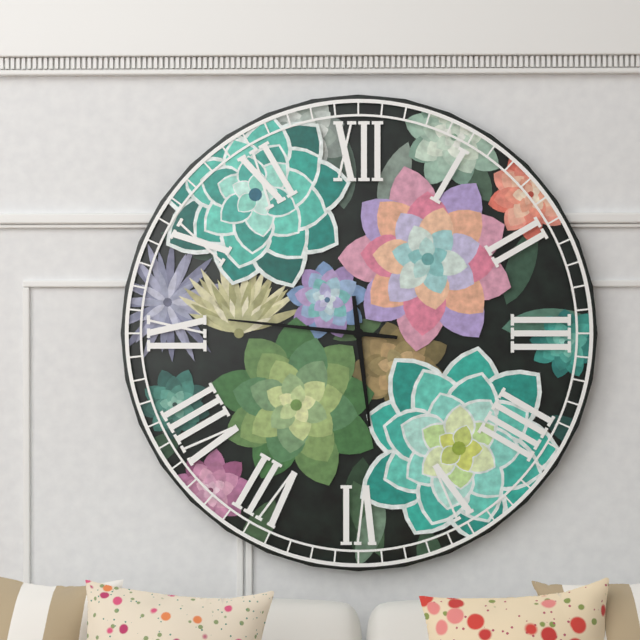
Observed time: 5:46
